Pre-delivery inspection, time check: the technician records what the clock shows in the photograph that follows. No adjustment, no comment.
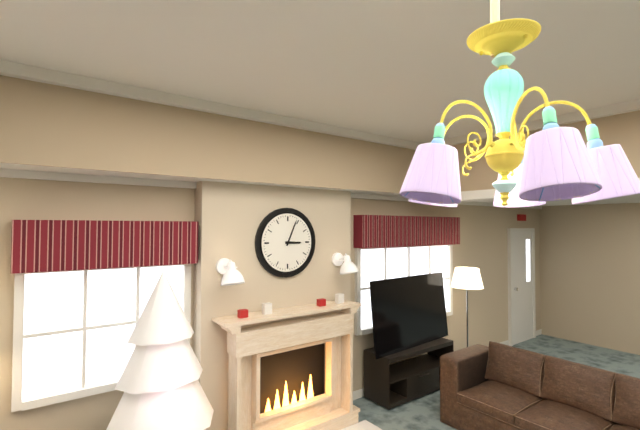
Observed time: 3:04
